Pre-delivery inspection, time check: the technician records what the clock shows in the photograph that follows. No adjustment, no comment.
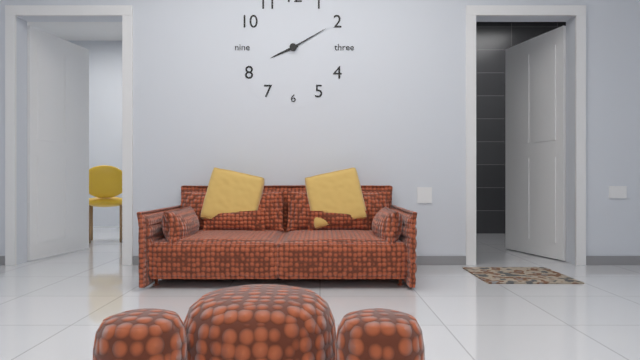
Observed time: 8:10
